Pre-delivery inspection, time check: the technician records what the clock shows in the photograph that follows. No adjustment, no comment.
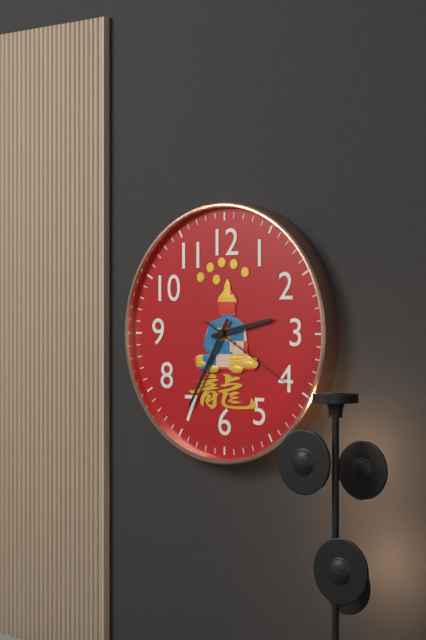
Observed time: 2:35:20
